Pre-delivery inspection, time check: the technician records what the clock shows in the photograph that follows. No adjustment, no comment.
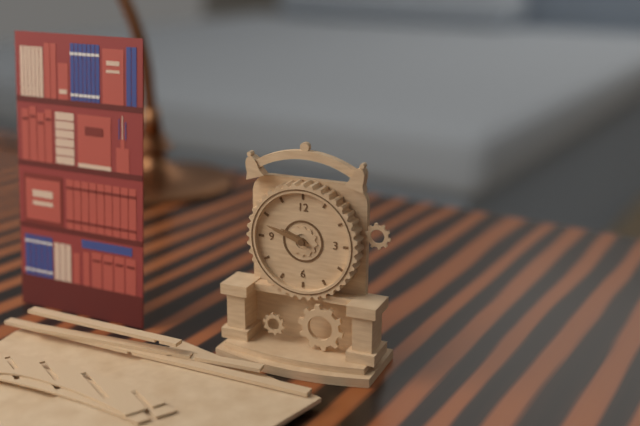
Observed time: 9:48
